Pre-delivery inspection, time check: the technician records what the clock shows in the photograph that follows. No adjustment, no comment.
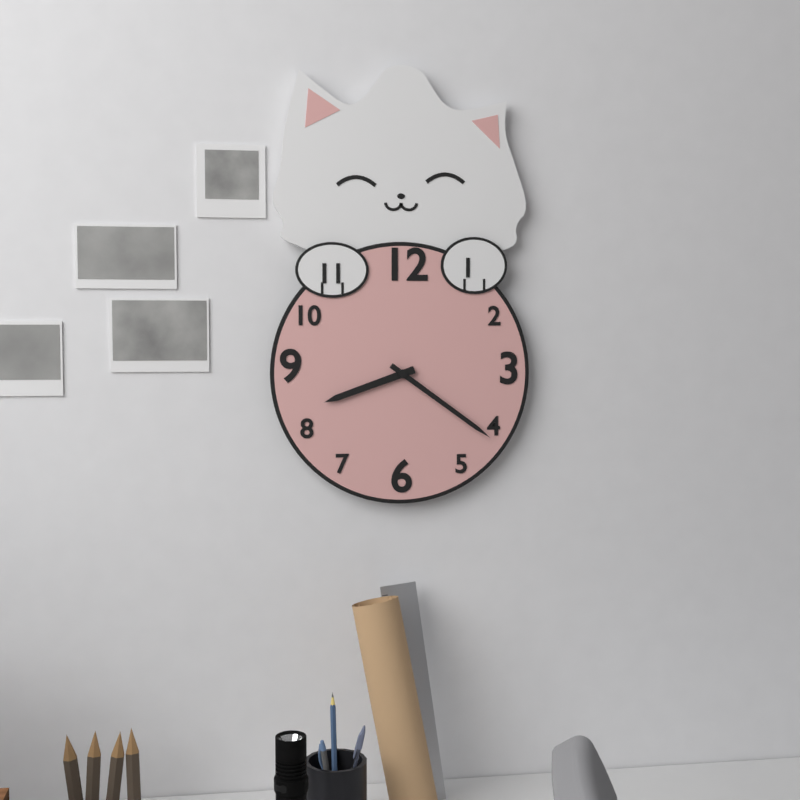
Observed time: 8:21
